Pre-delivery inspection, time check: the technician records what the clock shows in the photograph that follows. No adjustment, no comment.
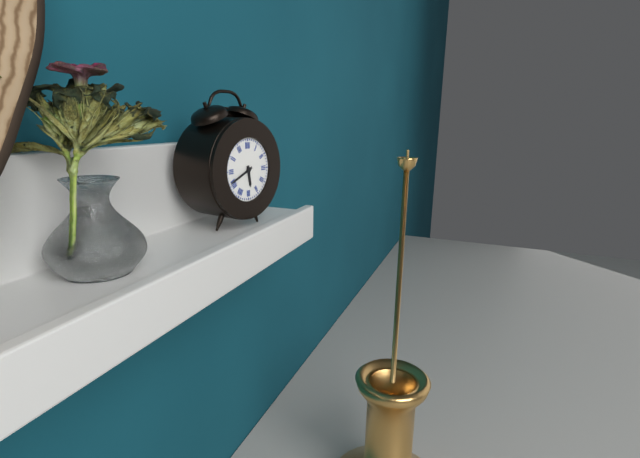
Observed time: 5:41
